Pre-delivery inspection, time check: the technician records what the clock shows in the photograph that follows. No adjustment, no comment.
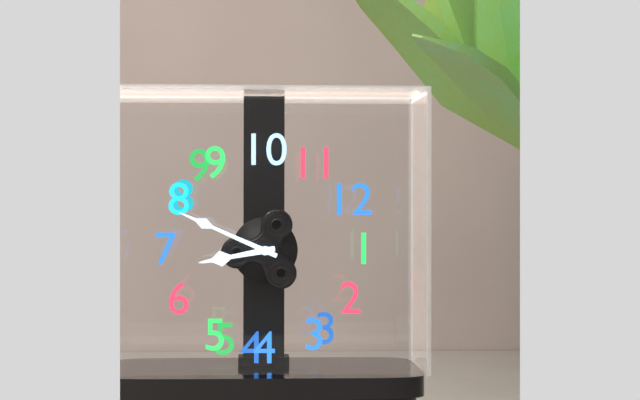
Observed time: 6:39
